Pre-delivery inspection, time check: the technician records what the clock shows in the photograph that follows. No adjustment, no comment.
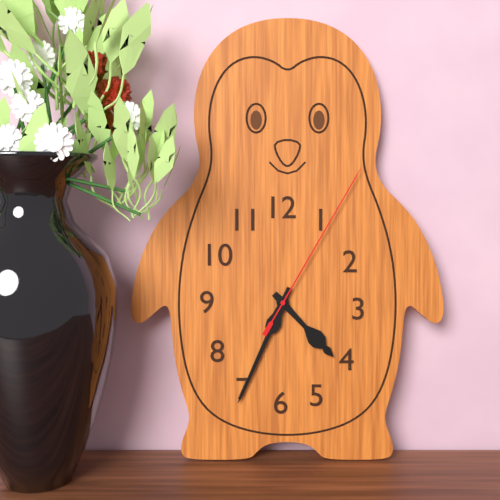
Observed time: 4:34:05
